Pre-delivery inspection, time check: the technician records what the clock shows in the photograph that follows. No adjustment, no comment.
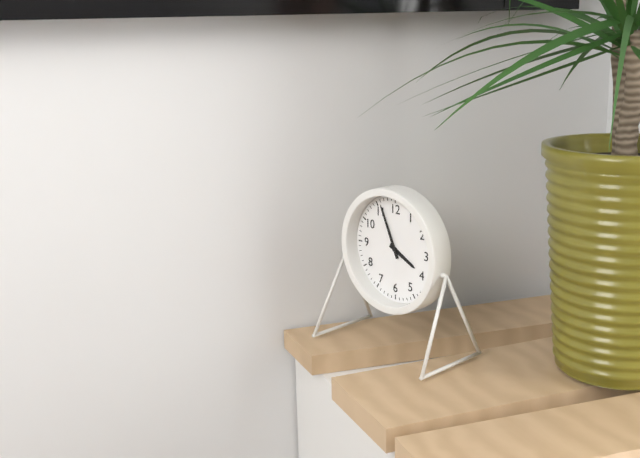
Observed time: 3:56
